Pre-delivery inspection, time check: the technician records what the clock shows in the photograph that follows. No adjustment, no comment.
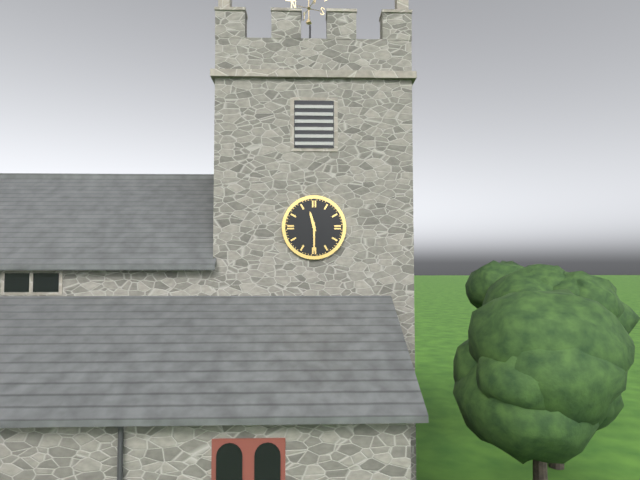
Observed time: 11:30
